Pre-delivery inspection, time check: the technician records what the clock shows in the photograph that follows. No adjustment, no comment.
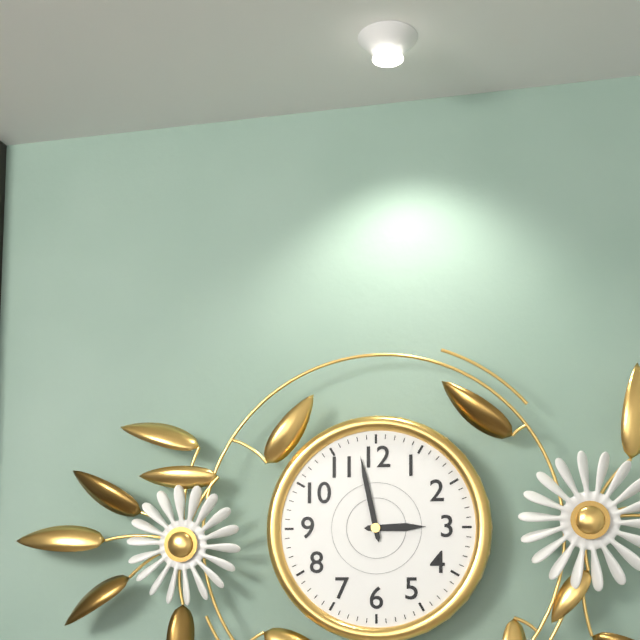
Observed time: 2:58
